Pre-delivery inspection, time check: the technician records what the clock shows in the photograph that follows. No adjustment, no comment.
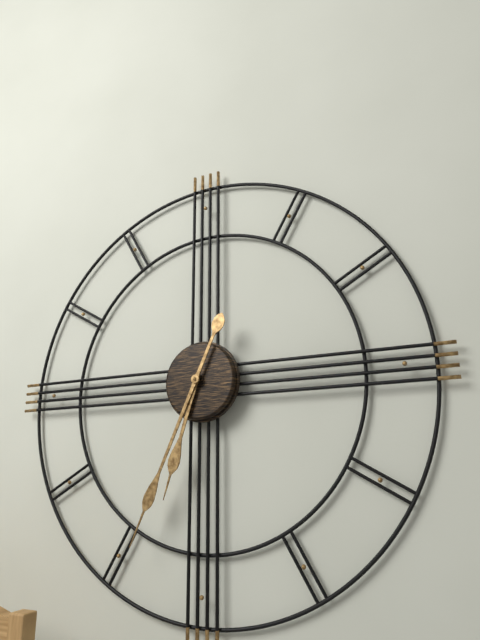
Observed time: 6:34
